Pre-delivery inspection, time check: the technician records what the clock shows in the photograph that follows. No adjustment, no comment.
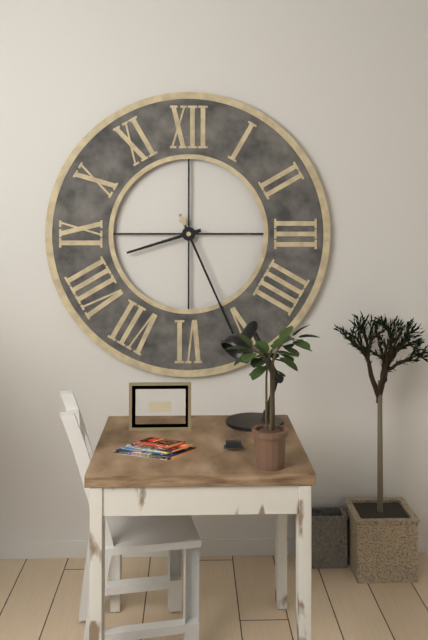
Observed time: 8:26
